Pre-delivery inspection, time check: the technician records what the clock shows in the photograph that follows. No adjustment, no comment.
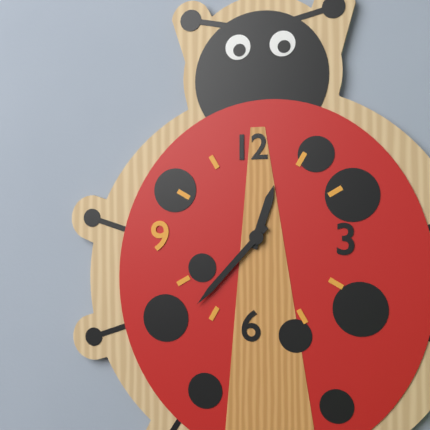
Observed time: 12:37
